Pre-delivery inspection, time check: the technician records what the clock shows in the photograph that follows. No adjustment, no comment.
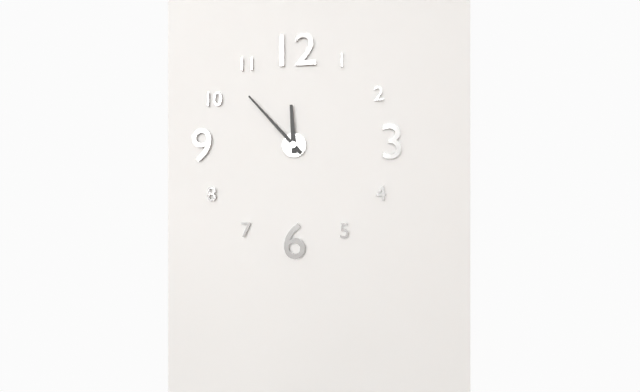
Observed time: 11:53
